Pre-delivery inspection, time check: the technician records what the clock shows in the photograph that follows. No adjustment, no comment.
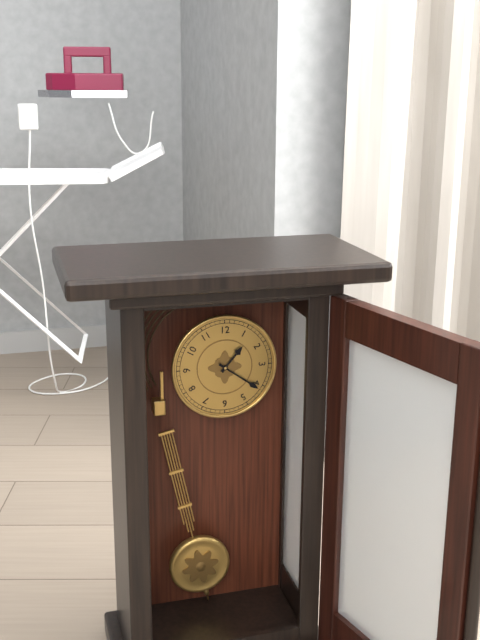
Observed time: 1:21
